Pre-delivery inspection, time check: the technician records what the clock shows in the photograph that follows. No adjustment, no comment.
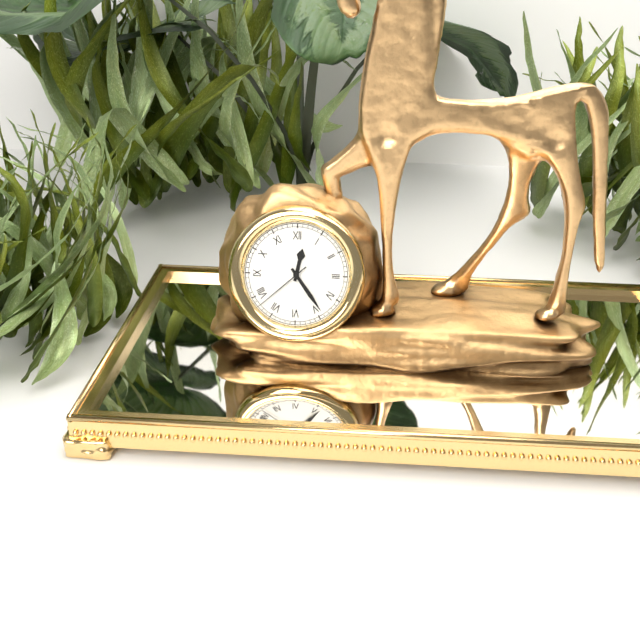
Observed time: 12:24:38
